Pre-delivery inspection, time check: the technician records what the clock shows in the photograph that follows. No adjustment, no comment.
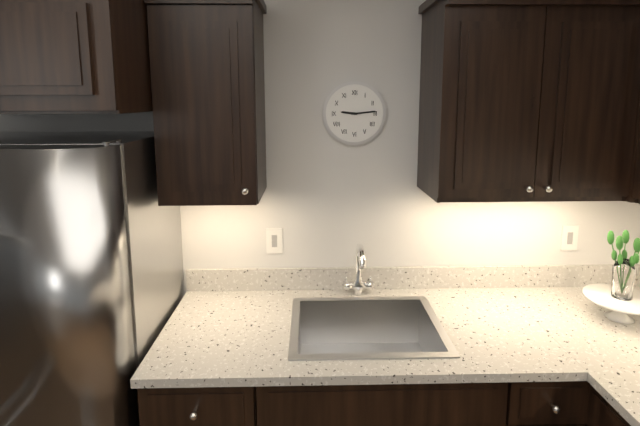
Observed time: 9:14
